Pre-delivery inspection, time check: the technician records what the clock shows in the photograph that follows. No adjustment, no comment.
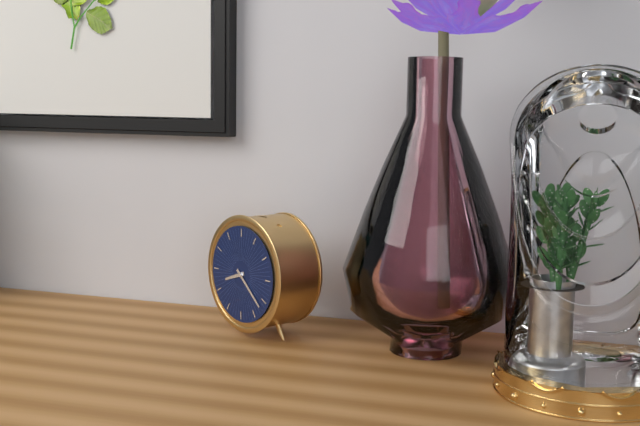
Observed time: 8:22
